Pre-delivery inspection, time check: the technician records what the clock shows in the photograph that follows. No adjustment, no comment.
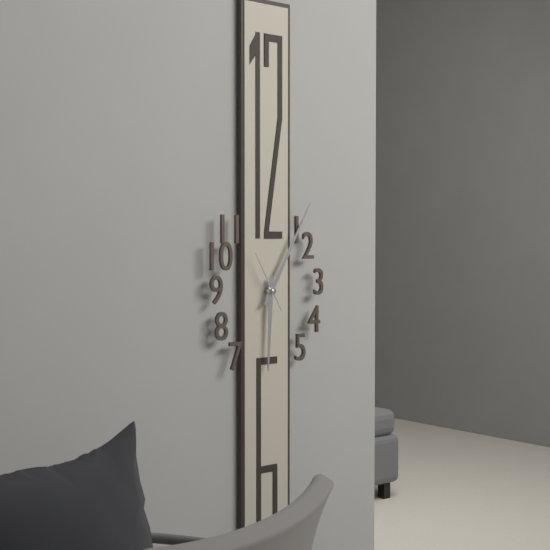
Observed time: 6:05:55
